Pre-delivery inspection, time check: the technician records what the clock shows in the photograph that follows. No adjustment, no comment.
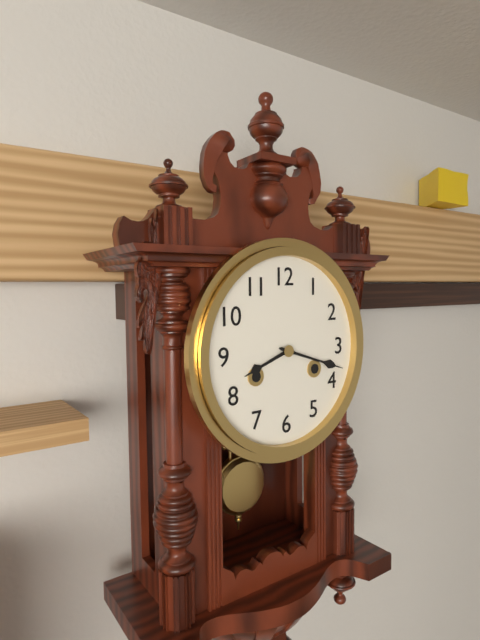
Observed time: 8:18
